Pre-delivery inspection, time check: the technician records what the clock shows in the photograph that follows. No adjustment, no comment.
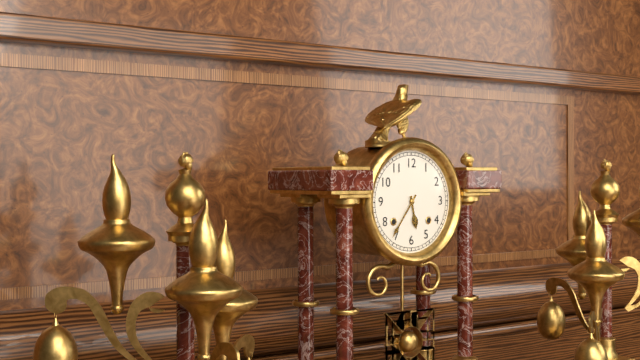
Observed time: 5:36
